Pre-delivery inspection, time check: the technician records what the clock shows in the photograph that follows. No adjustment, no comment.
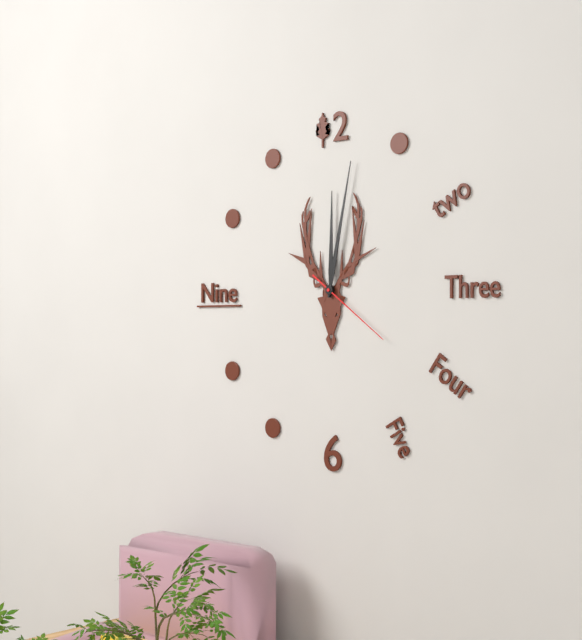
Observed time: 12:02:21
